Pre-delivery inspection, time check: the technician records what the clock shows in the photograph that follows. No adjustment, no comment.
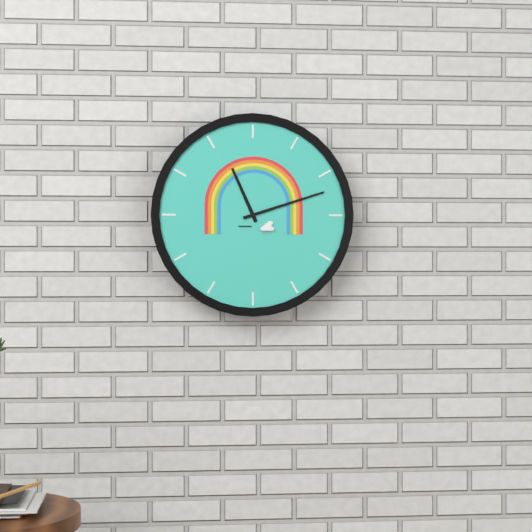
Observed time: 11:12
